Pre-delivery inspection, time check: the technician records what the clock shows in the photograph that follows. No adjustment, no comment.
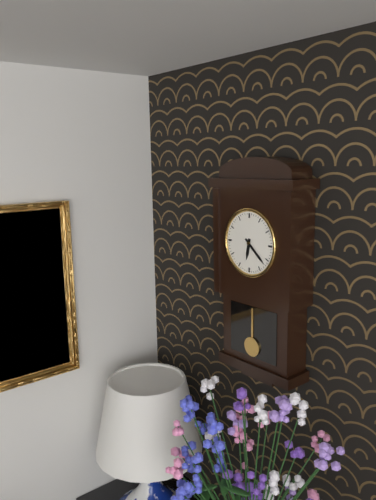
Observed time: 6:22
